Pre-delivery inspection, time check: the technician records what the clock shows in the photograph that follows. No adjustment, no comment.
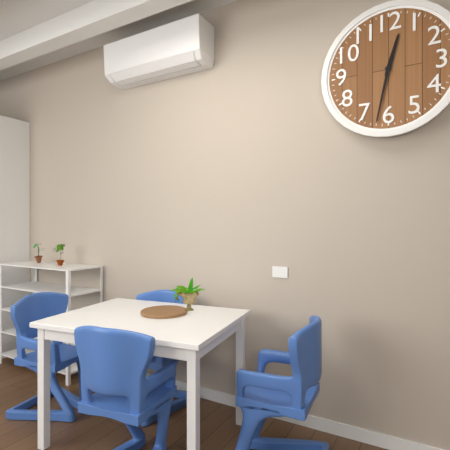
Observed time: 12:32
